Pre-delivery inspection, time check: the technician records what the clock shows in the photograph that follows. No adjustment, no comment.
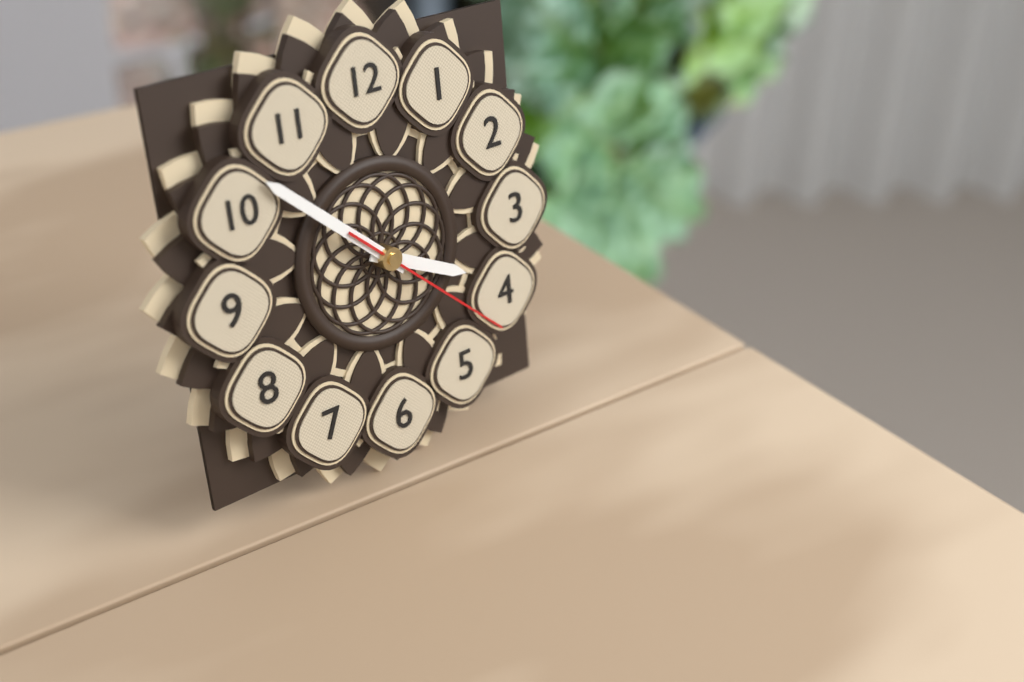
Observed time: 3:52:22
